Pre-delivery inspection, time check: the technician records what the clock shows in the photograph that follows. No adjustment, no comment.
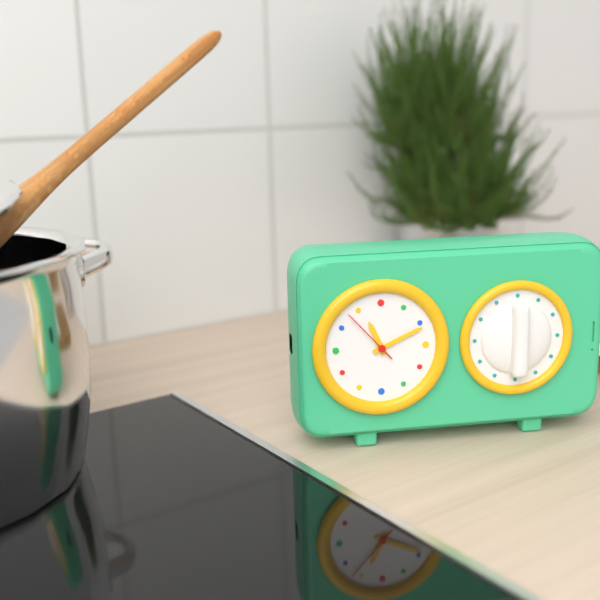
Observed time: 11:11:53
